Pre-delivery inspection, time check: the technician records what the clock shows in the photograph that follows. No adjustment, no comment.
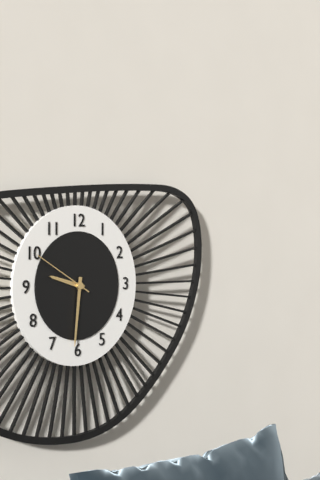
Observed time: 9:31:50
